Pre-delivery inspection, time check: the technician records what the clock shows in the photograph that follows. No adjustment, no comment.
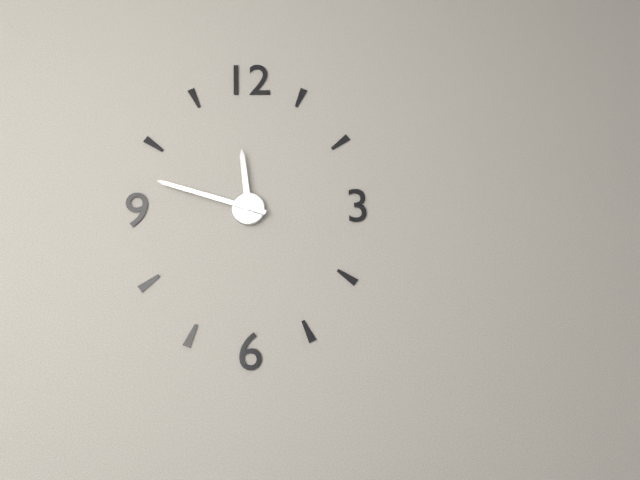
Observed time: 11:48
